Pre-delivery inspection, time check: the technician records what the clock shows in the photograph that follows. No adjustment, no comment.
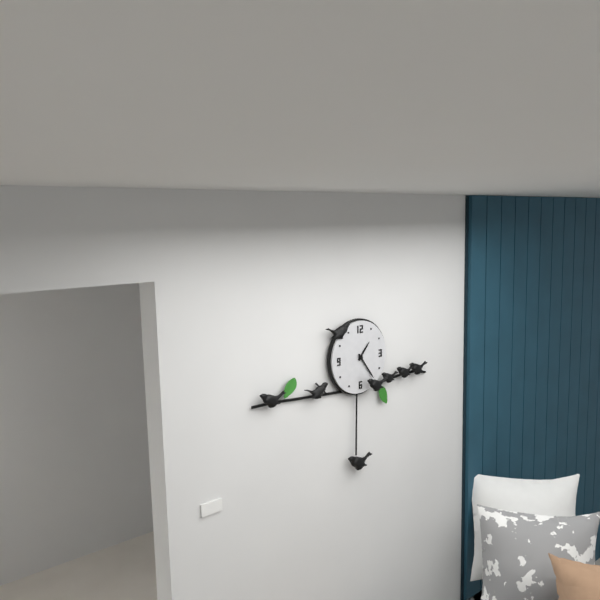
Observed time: 1:24
